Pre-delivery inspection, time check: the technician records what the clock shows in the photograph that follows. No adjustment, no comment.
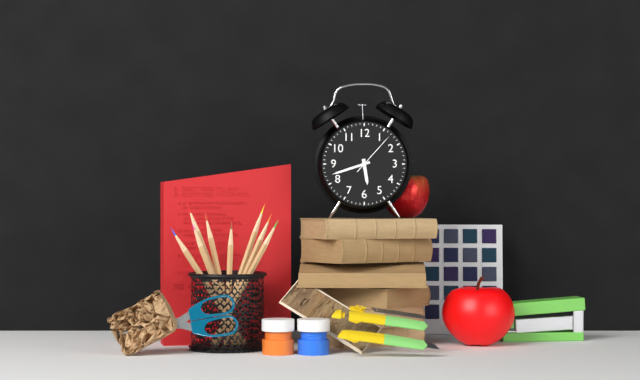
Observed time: 5:42
